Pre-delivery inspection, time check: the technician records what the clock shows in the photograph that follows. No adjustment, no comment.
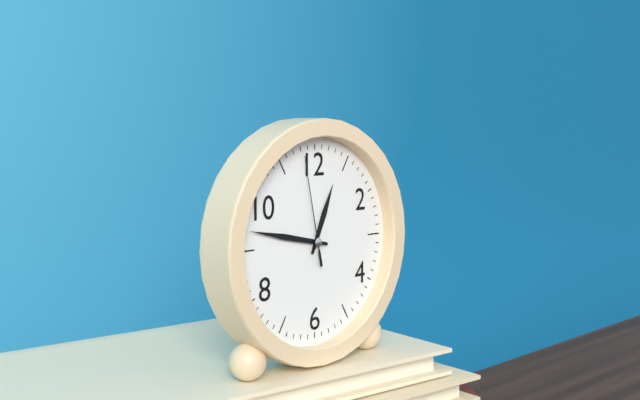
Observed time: 12:47:58
